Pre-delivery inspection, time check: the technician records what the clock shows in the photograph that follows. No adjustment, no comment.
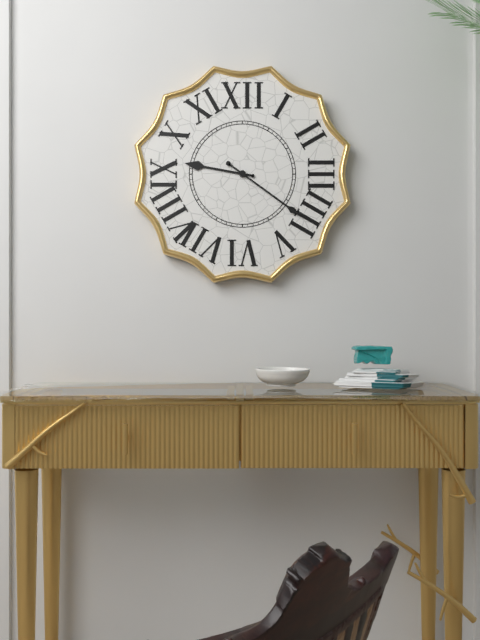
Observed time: 9:21
